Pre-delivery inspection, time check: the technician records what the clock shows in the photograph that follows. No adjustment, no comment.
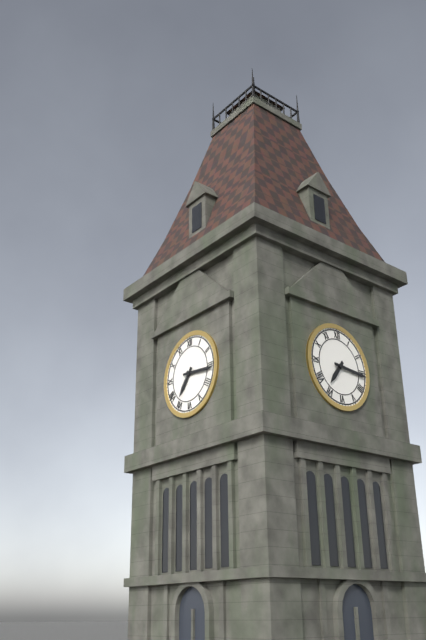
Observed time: 7:16
